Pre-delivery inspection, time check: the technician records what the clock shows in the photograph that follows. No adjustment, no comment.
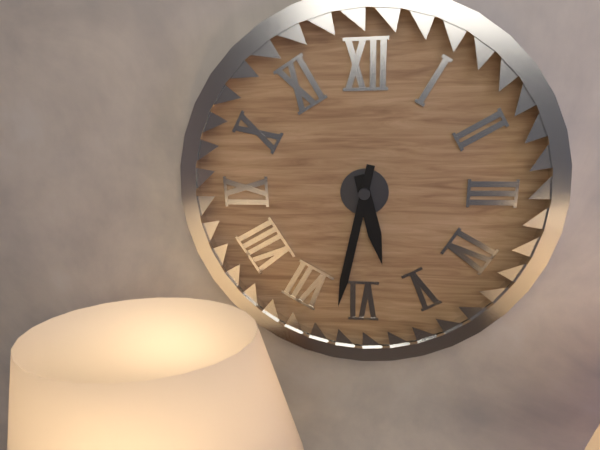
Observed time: 5:32
